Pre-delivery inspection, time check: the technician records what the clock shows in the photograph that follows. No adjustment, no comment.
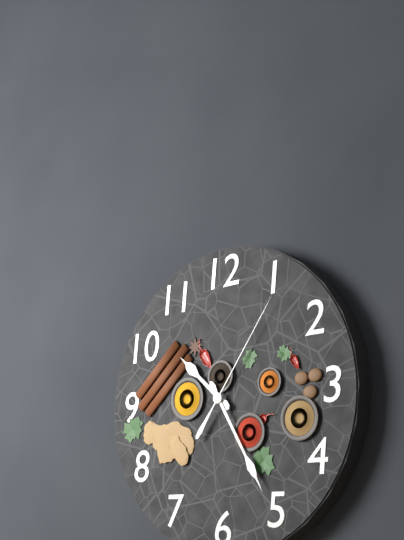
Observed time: 10:25:06
